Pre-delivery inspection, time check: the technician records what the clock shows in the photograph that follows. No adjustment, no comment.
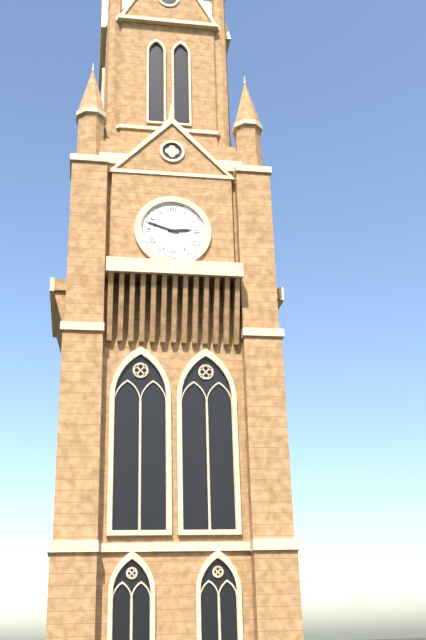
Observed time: 2:48
